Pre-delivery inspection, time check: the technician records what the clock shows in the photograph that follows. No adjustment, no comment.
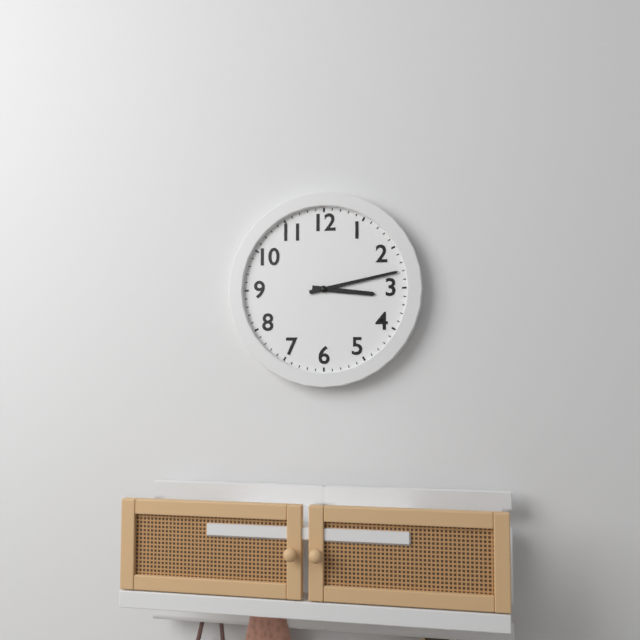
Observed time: 3:13
